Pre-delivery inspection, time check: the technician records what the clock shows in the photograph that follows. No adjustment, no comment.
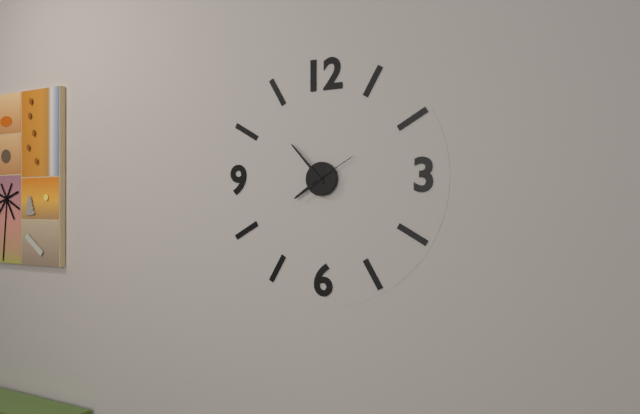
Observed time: 7:53:10
